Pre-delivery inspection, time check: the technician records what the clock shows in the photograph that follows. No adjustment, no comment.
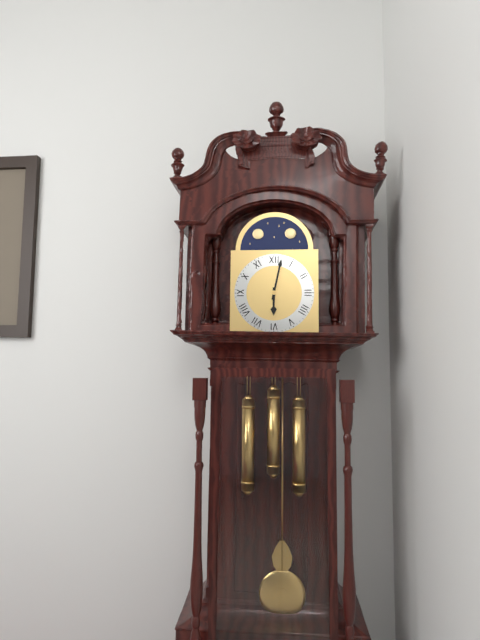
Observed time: 6:02
